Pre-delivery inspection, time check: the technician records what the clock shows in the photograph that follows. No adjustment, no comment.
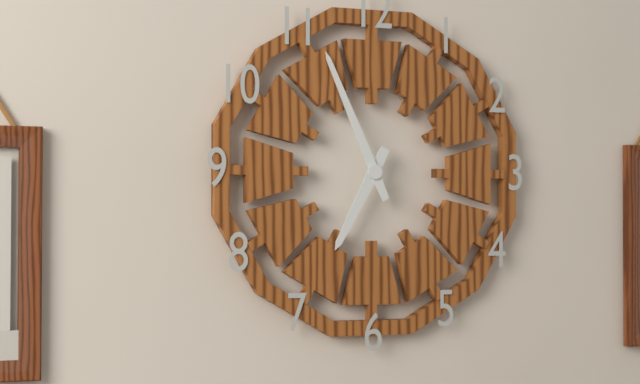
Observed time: 6:56
